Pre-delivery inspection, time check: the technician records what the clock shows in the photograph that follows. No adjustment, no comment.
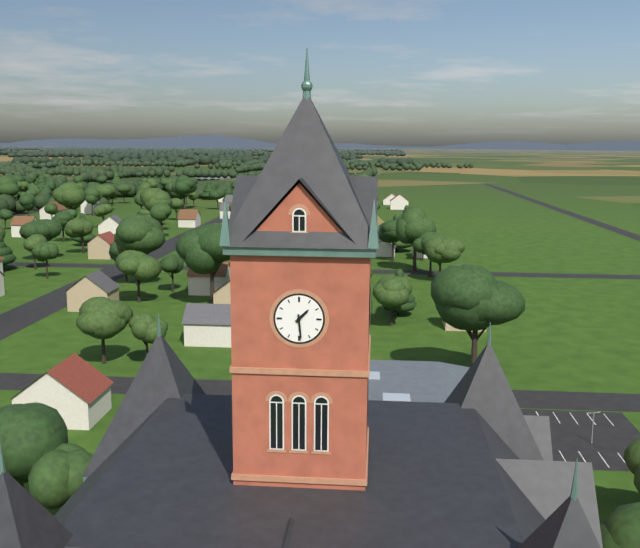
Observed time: 1:29
